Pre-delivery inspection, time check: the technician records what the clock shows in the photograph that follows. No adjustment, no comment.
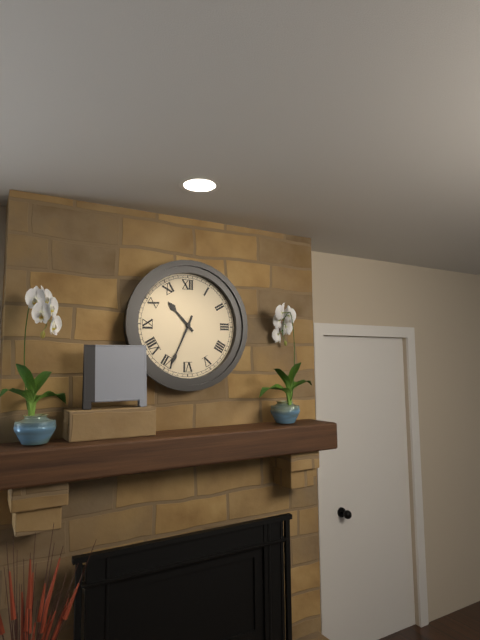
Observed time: 10:34
